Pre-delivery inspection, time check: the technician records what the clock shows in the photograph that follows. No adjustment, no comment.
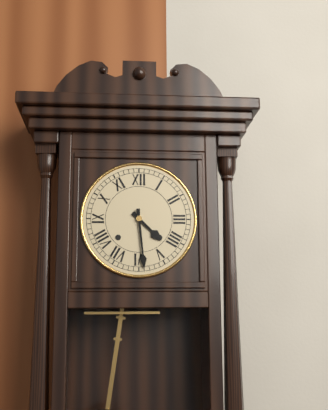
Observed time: 4:29
